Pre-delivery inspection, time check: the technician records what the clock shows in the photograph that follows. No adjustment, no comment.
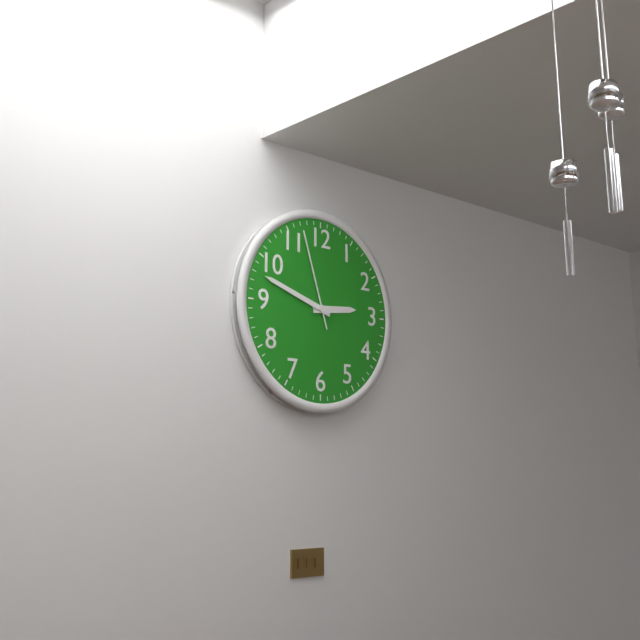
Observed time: 2:48:57
